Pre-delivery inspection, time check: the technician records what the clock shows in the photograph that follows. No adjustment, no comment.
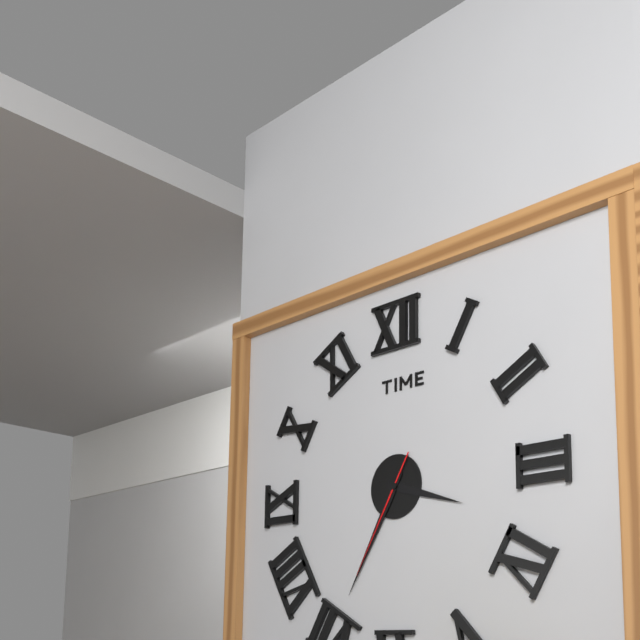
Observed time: 3:35:35
